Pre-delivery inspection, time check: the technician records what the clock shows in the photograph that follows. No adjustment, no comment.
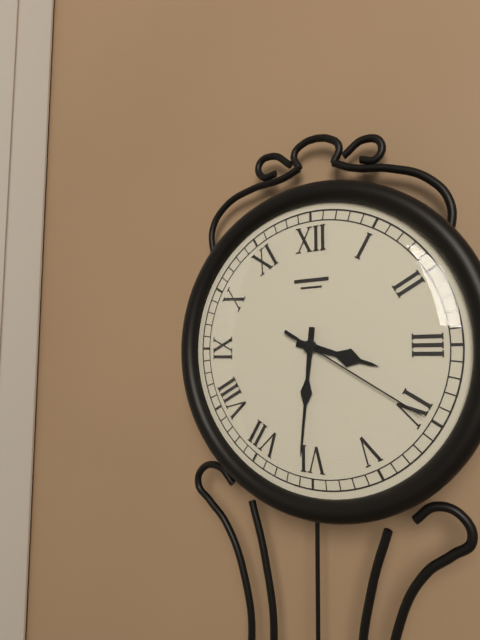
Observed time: 3:31:20
